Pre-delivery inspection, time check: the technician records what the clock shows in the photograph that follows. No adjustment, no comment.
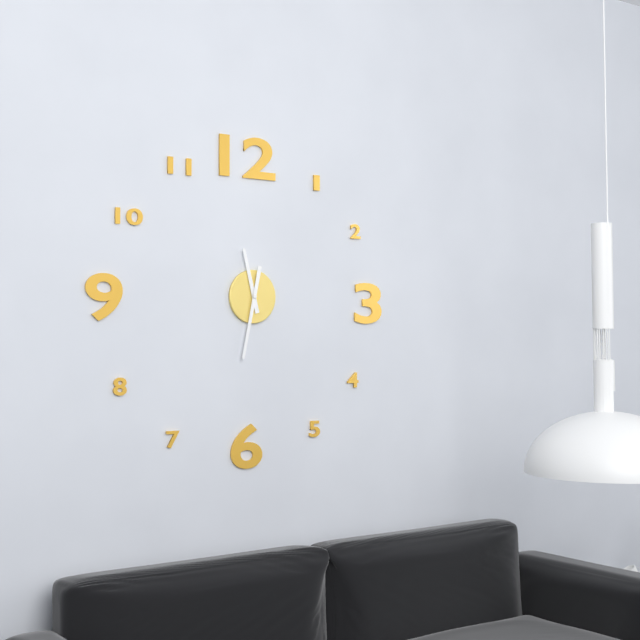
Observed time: 11:32
